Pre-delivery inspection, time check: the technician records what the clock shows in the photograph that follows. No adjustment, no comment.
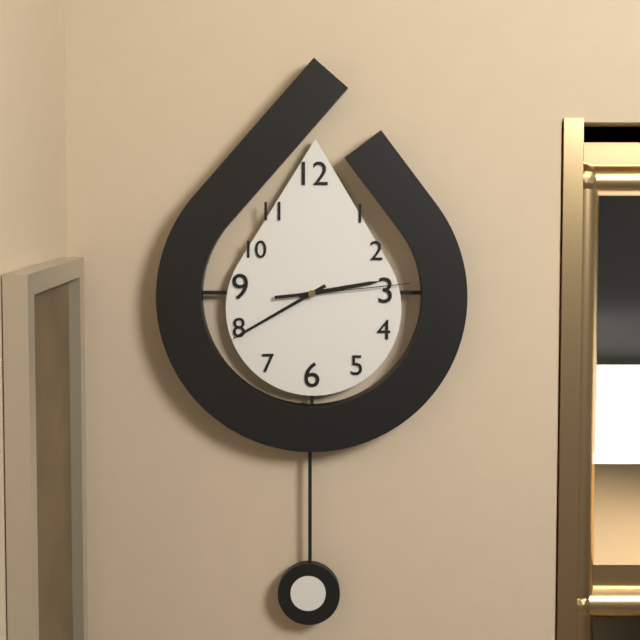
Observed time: 2:40:14
